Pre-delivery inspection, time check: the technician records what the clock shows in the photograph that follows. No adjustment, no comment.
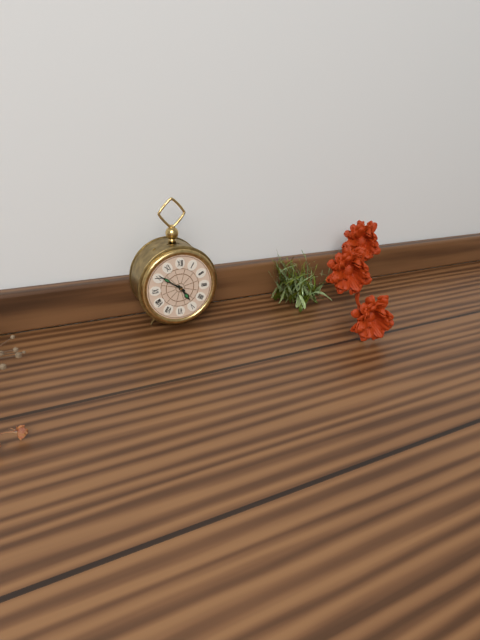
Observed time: 4:51
